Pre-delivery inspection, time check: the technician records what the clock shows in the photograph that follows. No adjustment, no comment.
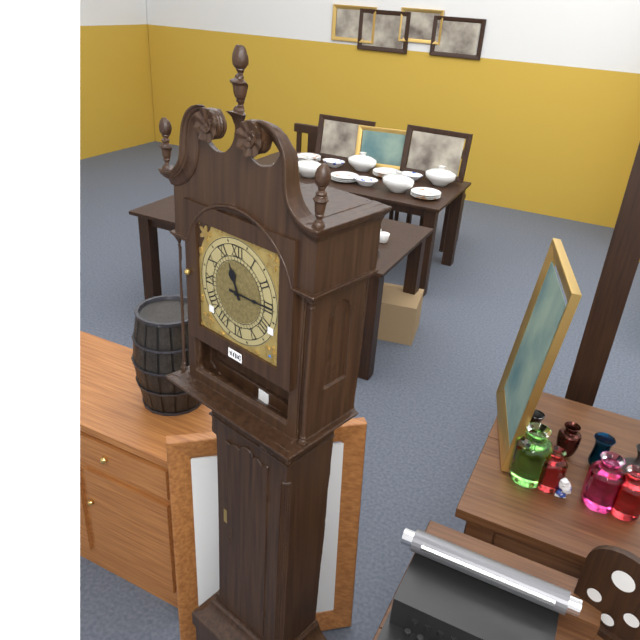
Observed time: 11:15
